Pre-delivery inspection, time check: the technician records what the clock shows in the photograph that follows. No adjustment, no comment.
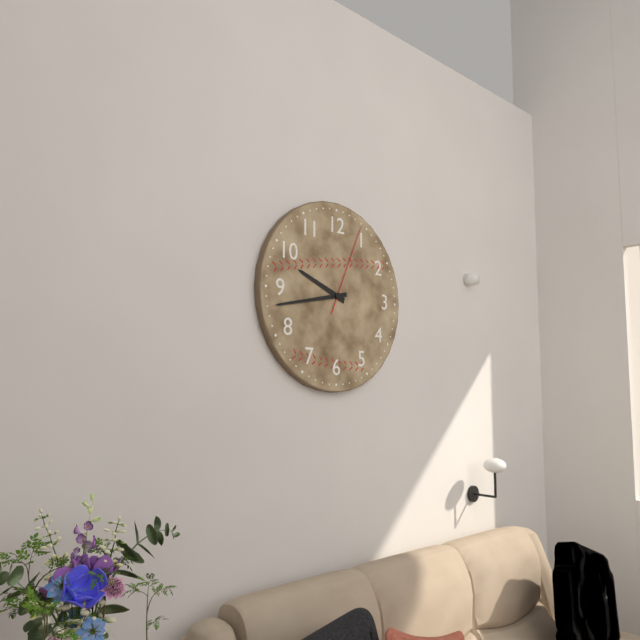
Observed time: 9:43:04
